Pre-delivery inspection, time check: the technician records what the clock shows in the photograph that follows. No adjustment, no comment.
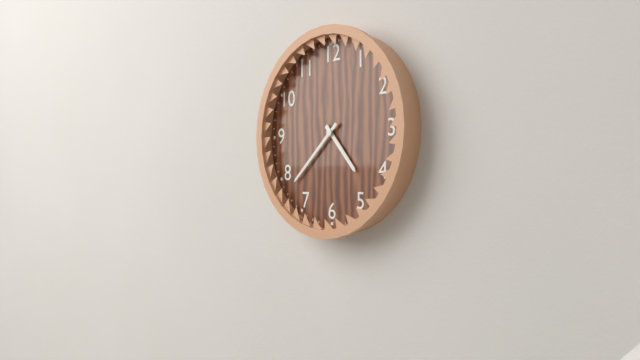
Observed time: 4:38
